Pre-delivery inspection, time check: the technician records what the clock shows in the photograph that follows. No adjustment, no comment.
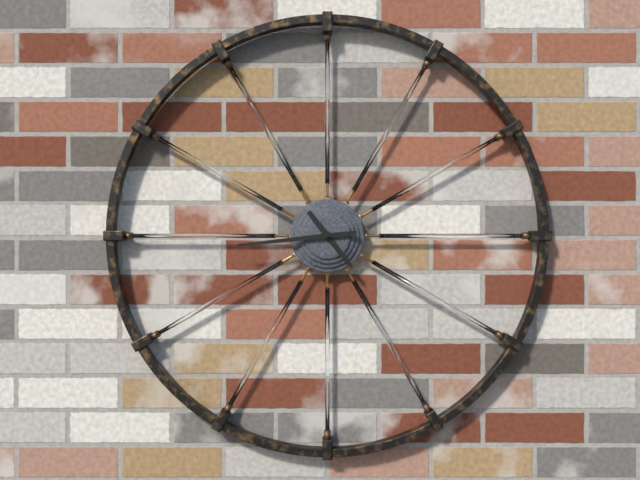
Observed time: 4:44
